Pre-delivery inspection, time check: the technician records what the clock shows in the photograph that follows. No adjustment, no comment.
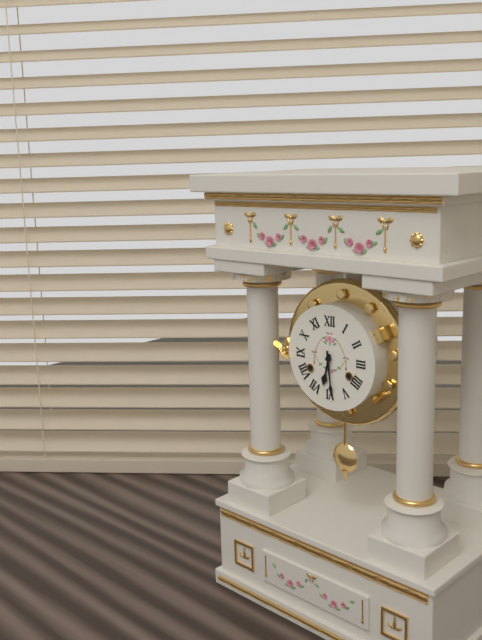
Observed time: 6:29
